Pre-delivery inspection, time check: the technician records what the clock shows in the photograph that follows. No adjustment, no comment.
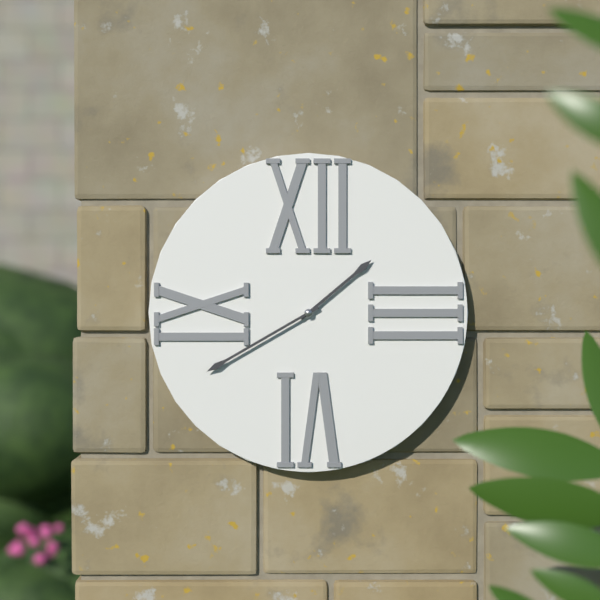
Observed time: 1:40
